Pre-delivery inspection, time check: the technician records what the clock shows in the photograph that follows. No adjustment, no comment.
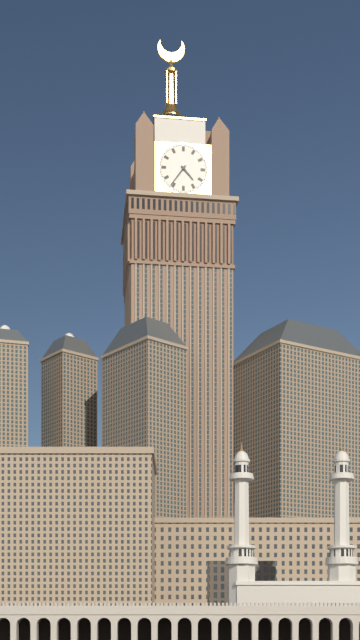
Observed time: 4:36
